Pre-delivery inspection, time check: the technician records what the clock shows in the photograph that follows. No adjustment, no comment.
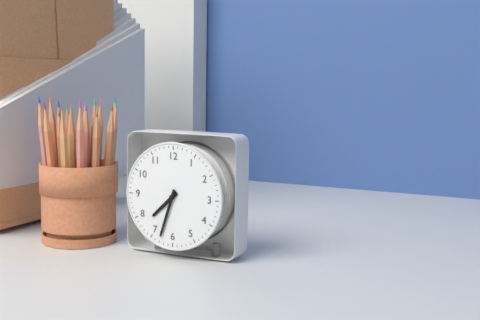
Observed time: 7:33
